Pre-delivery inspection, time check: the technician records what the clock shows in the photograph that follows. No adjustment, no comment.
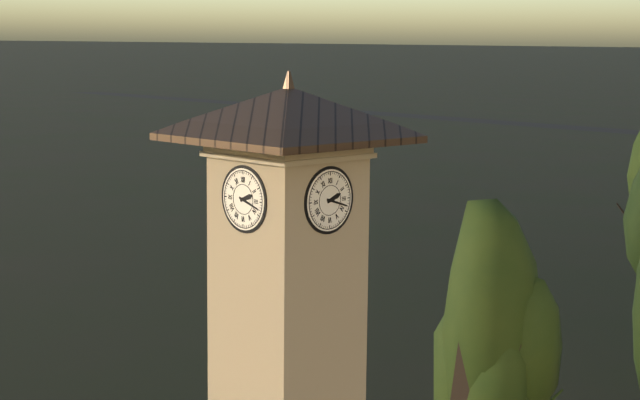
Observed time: 2:18
